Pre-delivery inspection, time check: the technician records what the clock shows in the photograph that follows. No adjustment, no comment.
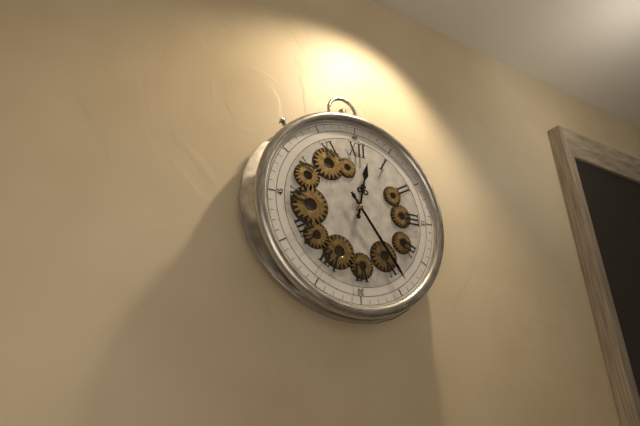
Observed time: 12:24
